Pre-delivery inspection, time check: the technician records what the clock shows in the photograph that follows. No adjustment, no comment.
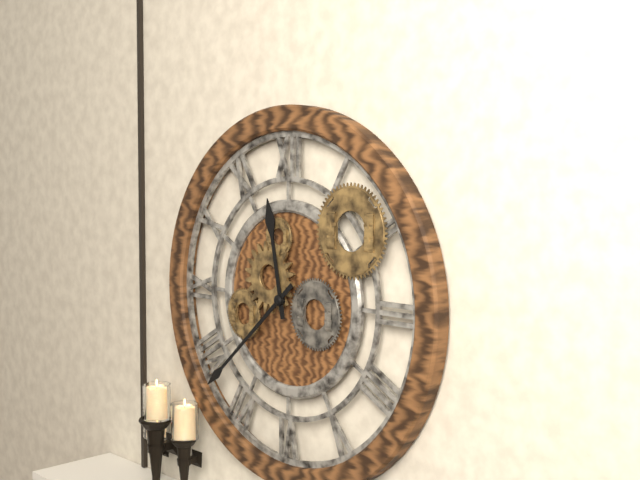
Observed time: 11:38
